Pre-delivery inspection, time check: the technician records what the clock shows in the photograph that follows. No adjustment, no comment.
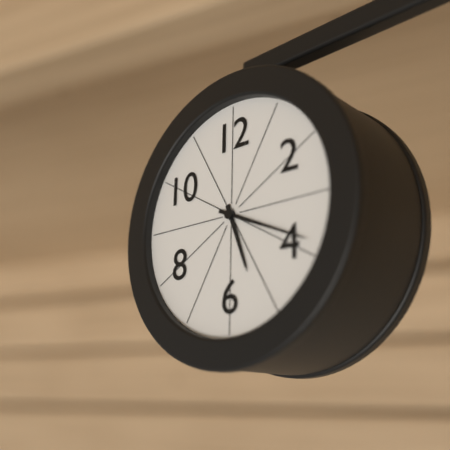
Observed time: 5:19
